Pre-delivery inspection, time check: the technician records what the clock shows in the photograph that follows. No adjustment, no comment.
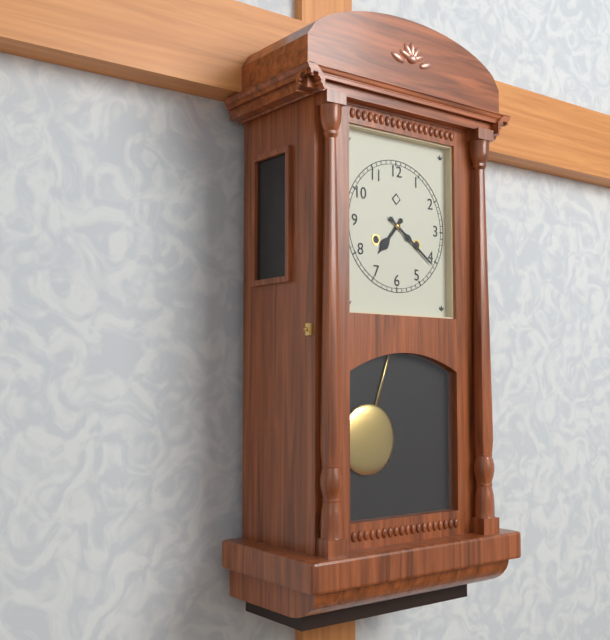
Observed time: 7:21
